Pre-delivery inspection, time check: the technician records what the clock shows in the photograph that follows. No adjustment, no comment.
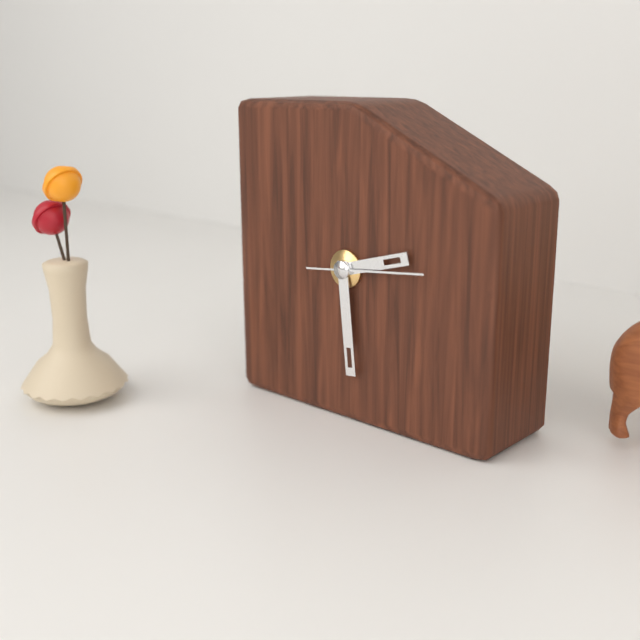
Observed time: 2:29:14
